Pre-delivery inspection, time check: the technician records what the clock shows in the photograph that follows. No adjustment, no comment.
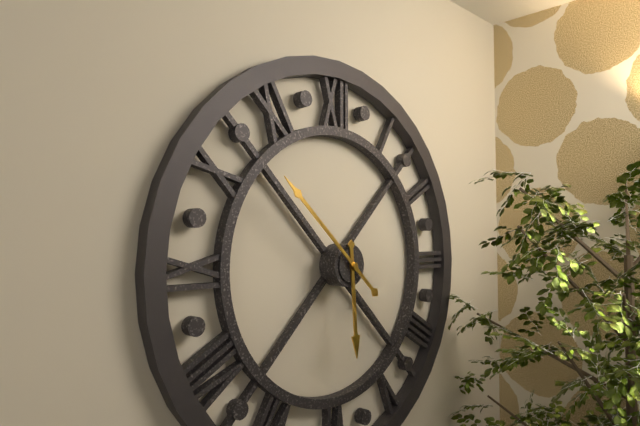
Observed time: 5:52
